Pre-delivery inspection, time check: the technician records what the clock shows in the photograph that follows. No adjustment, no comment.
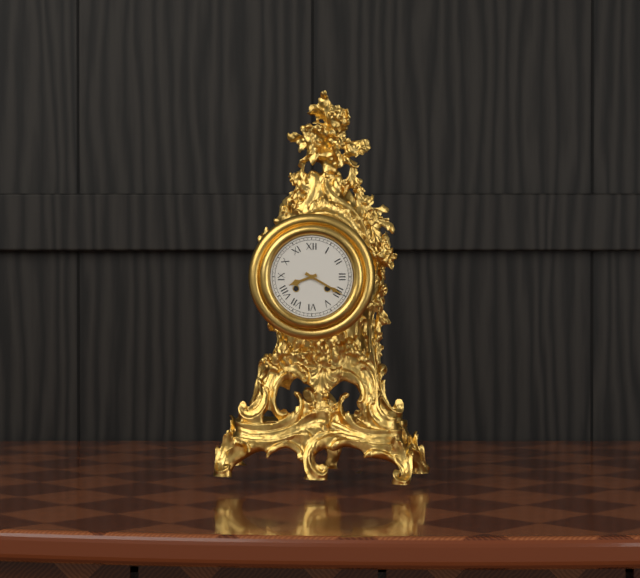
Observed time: 8:20
